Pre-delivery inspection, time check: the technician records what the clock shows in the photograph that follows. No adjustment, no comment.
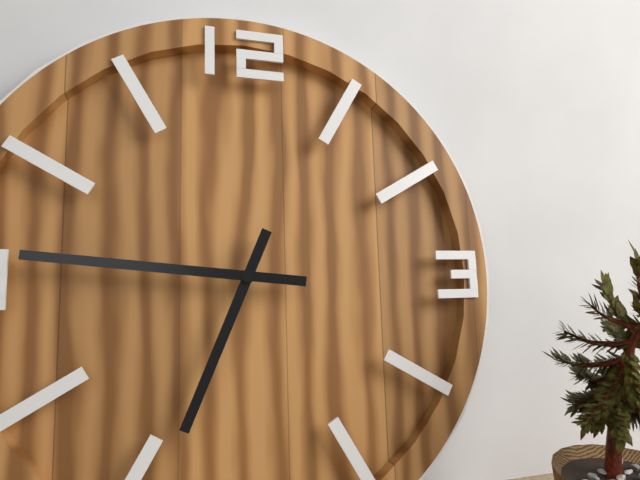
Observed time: 6:46
